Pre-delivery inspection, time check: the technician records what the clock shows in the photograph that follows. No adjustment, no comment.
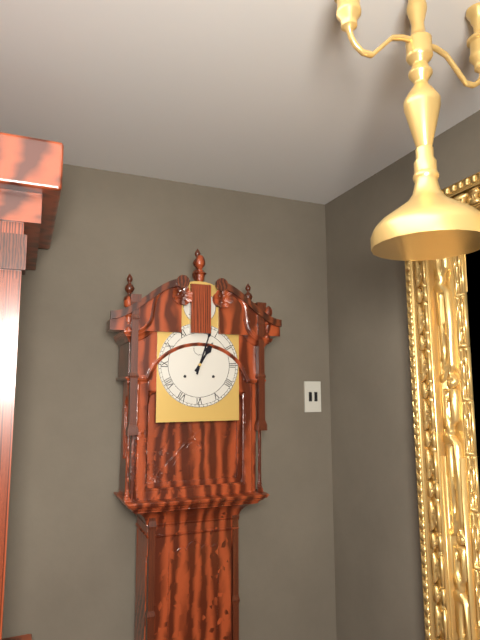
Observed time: 1:03
